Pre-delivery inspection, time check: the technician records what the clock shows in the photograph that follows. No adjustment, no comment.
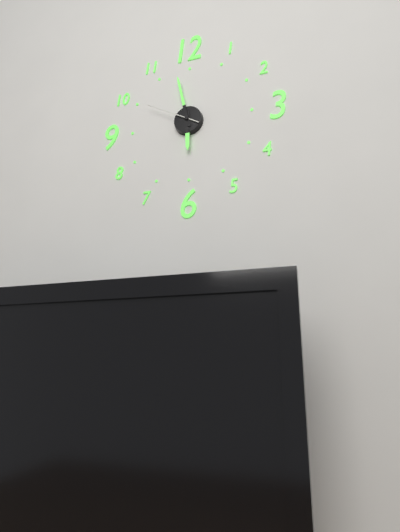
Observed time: 5:58:50
